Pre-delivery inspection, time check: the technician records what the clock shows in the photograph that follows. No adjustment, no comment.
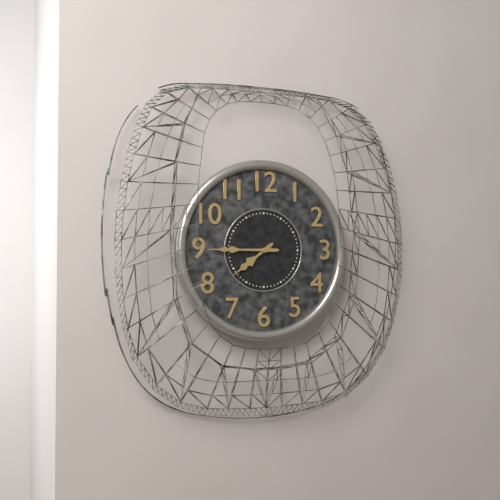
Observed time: 7:45
